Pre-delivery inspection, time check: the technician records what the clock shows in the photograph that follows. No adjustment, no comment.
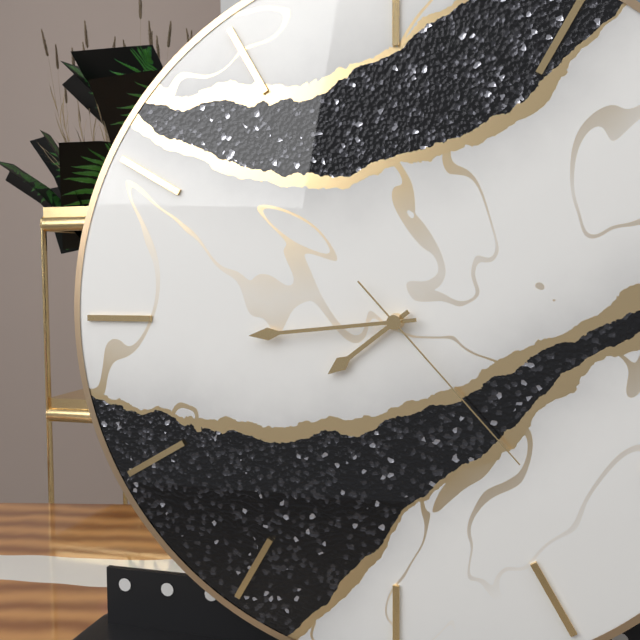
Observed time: 7:44:23
